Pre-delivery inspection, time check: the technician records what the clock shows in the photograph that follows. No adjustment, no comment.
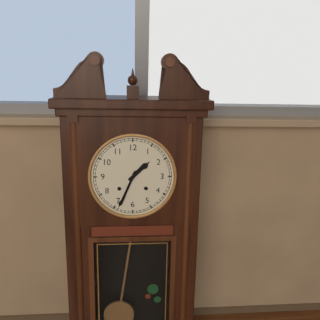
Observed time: 1:34
